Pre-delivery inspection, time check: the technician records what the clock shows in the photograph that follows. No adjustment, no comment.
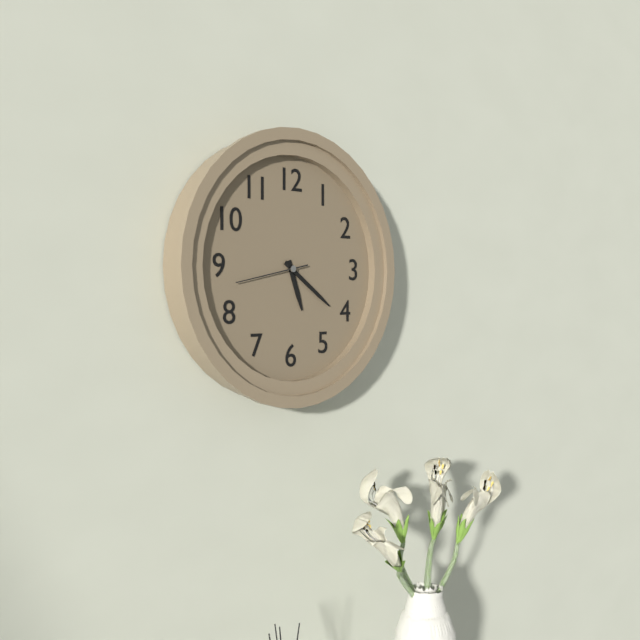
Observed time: 5:21:43
